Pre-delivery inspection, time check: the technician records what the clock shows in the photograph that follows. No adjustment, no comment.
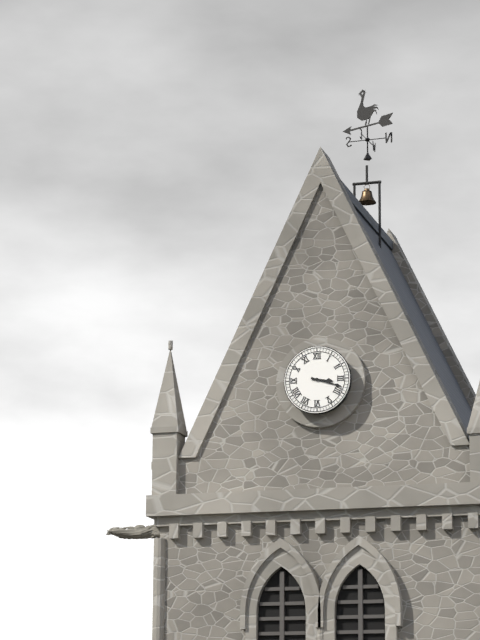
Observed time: 3:18
